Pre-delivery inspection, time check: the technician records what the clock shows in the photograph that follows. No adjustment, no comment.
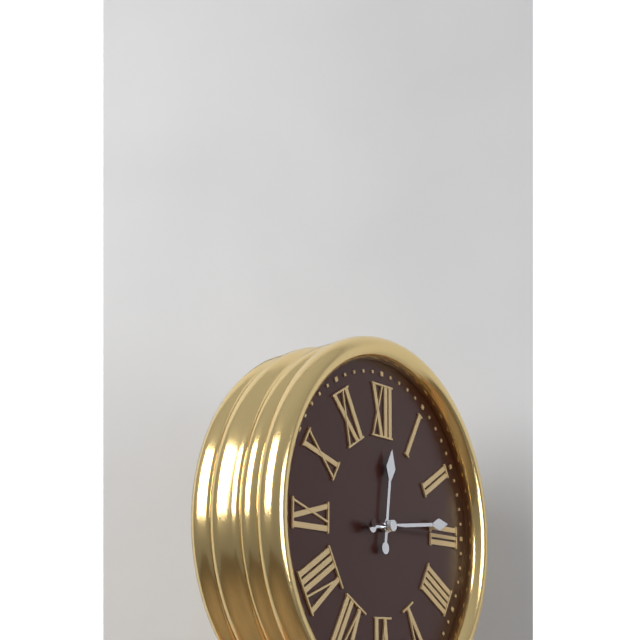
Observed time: 12:14:15
